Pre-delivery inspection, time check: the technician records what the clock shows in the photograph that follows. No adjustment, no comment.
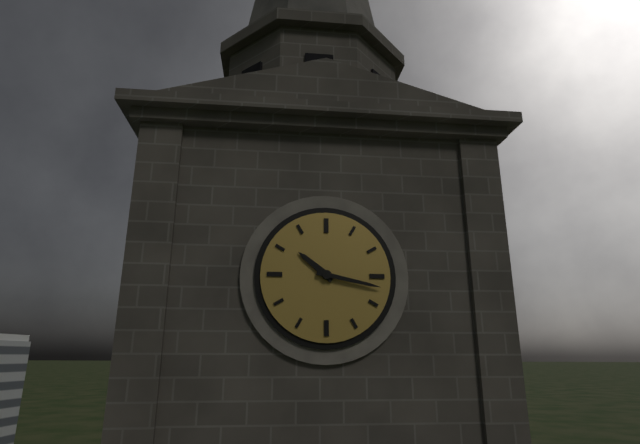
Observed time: 10:17
